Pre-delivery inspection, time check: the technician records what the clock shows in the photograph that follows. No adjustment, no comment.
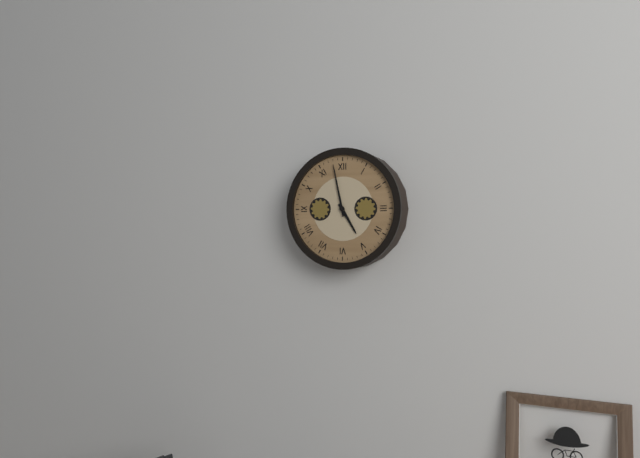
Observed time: 4:58
